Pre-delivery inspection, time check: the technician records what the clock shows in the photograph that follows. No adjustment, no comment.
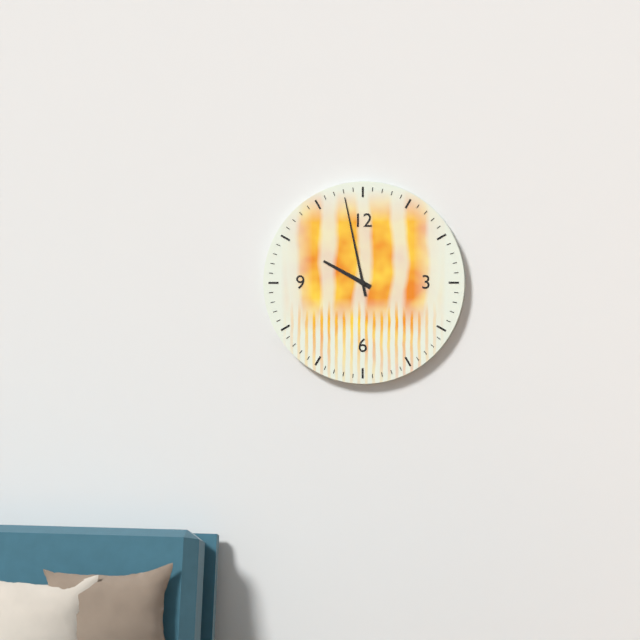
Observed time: 9:58
